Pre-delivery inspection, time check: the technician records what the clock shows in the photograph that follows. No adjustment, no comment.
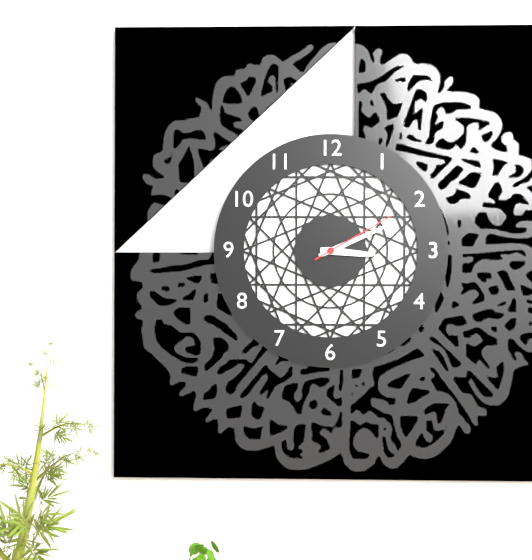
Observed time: 3:11:10
